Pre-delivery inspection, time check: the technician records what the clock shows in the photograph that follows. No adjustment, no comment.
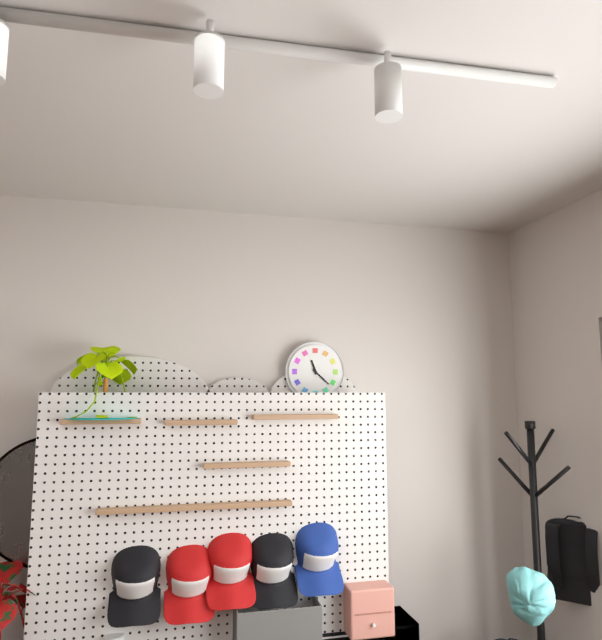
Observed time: 11:22
